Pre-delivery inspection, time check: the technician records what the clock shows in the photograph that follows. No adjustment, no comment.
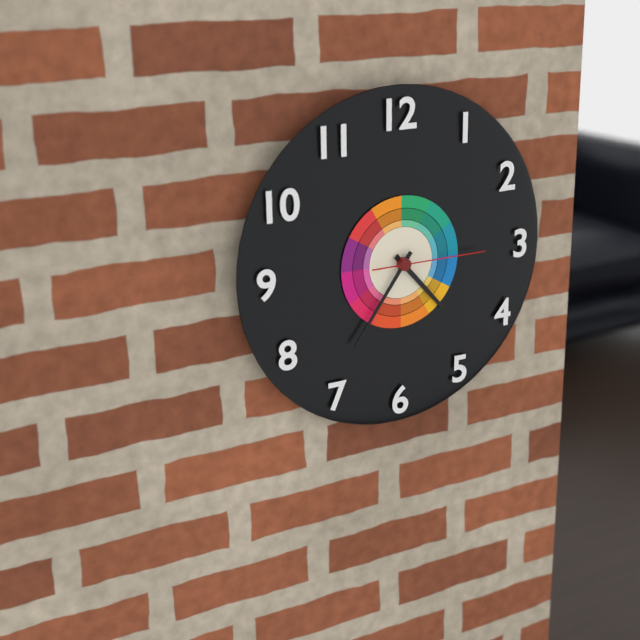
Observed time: 4:36:15
